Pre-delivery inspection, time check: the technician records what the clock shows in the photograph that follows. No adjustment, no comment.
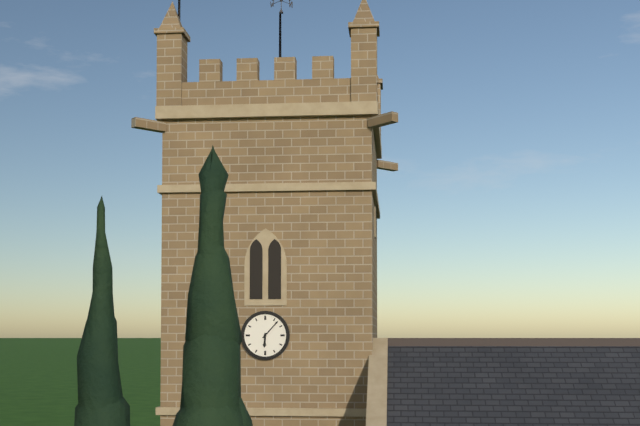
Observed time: 6:07
